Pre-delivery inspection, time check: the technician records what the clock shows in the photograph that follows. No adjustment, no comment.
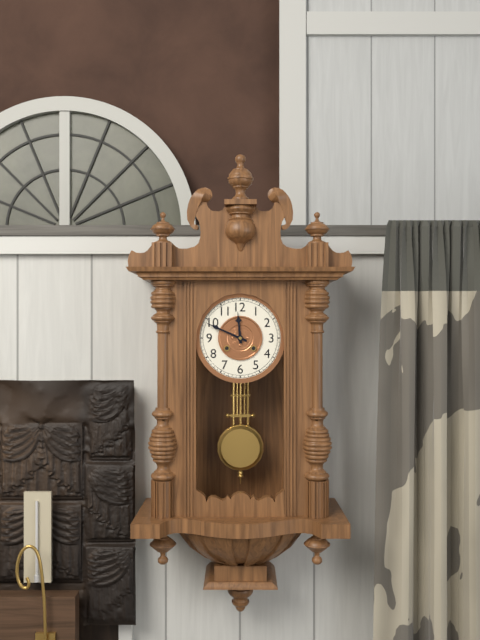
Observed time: 11:49
